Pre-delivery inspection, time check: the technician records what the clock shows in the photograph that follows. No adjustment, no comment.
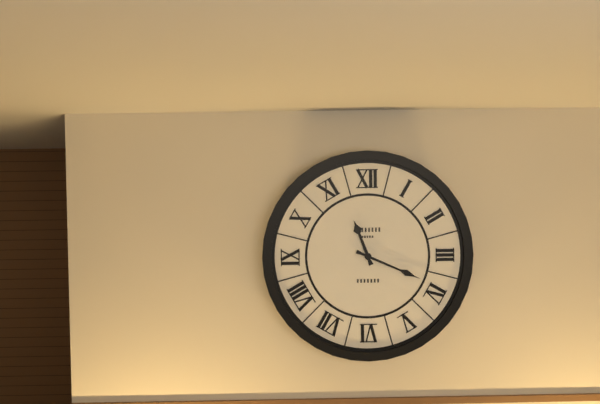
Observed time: 11:19
